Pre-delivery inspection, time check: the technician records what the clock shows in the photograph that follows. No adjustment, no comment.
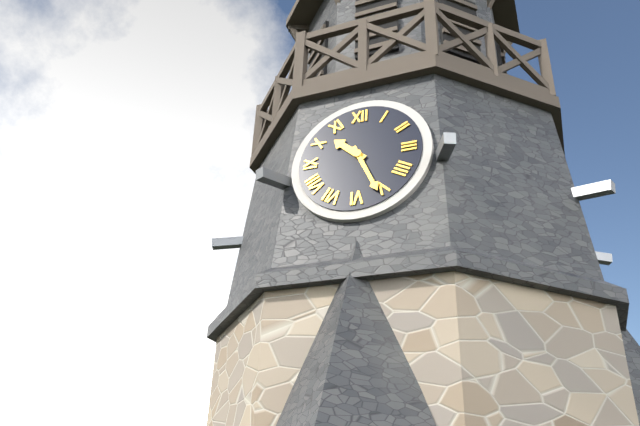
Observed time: 10:26
